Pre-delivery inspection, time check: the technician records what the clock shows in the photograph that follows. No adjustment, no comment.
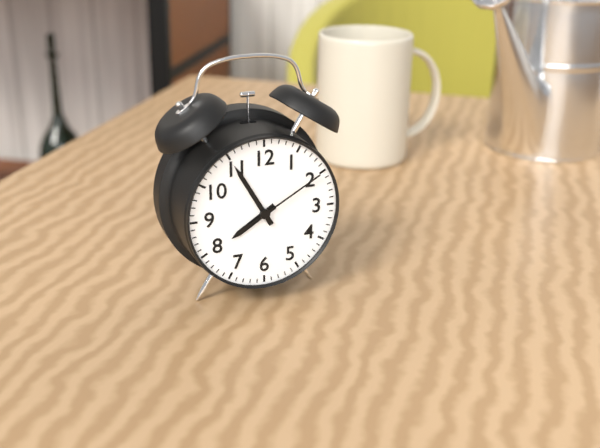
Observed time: 7:55:10
